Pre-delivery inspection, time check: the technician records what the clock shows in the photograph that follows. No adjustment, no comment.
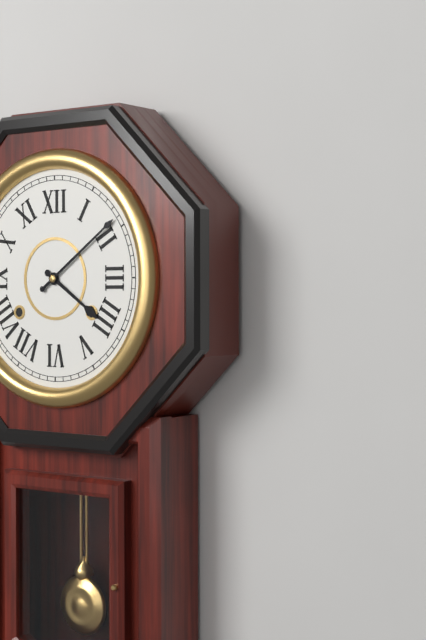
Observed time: 4:09
